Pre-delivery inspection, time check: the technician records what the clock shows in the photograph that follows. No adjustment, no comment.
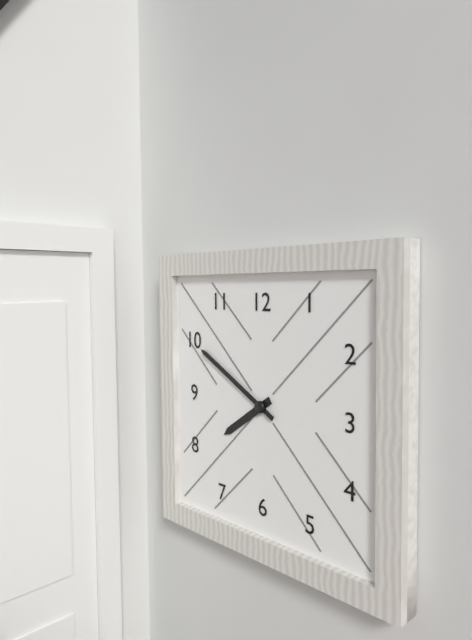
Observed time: 7:50
